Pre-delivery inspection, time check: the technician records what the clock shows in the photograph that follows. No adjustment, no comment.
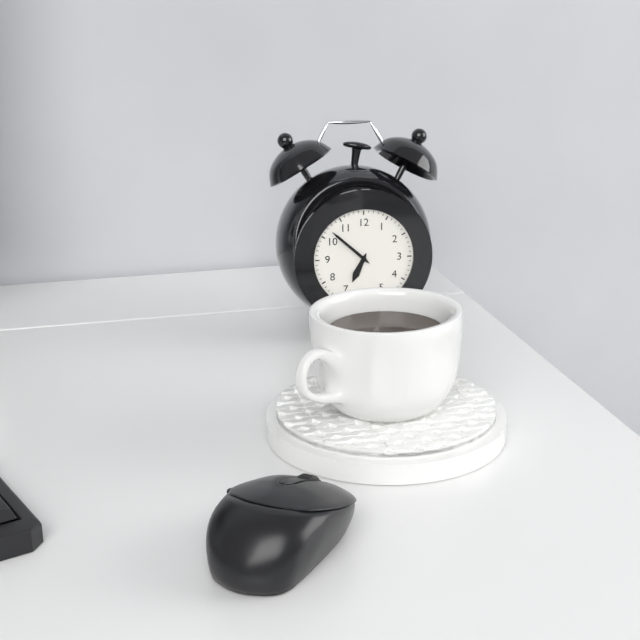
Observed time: 6:52
